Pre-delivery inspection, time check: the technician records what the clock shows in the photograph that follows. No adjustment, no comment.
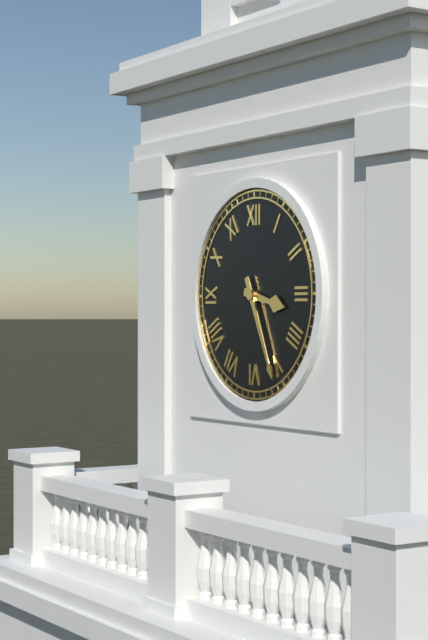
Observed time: 3:26
